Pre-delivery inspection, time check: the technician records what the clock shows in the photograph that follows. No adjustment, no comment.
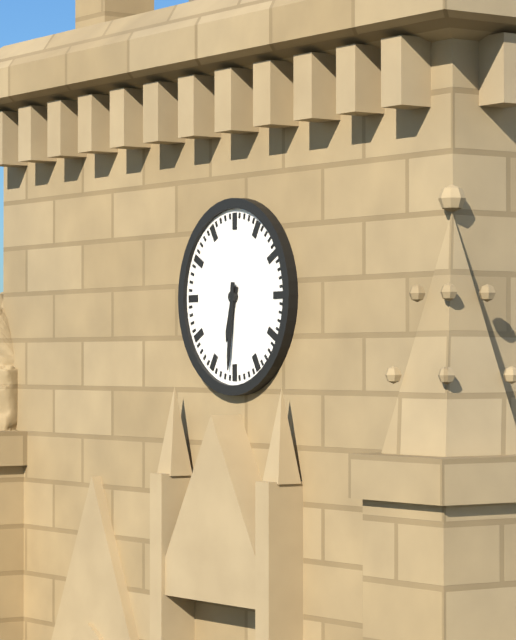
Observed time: 6:31
